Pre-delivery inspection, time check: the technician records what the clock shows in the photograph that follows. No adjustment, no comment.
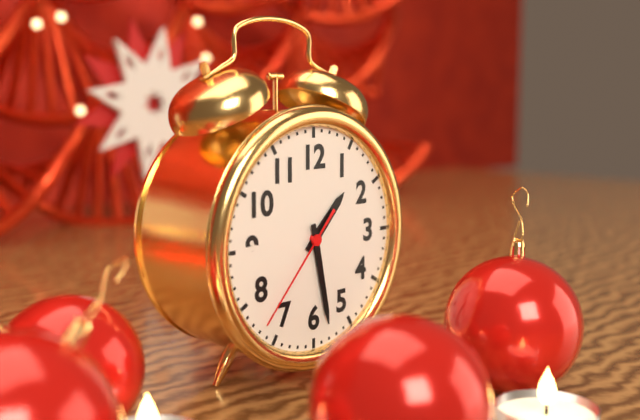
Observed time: 1:28:37
